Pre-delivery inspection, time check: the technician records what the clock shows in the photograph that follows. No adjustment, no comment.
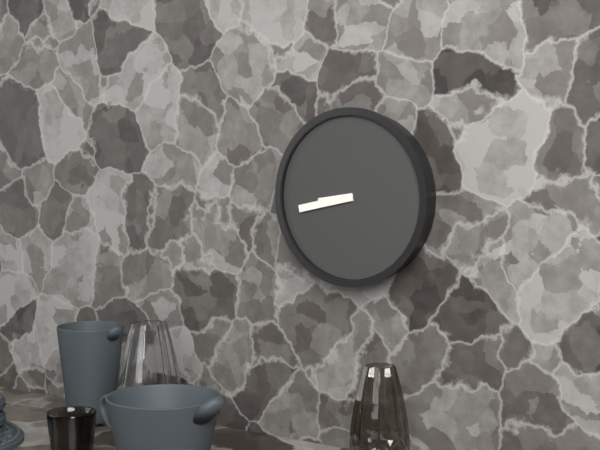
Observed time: 8:43
